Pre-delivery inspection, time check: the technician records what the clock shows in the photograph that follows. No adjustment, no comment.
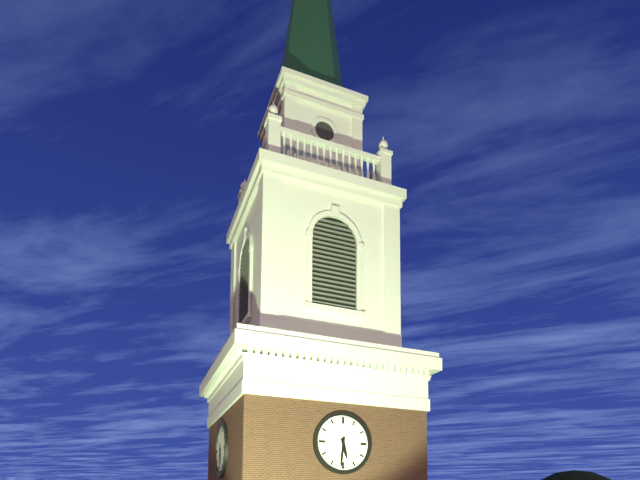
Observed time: 5:31
